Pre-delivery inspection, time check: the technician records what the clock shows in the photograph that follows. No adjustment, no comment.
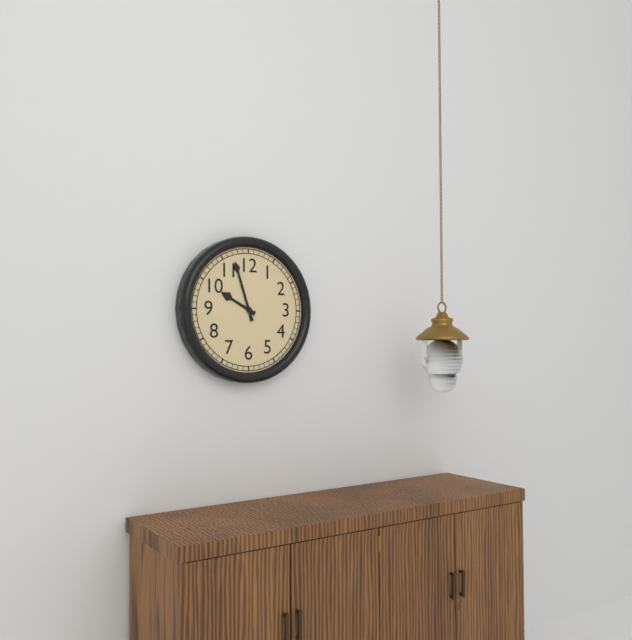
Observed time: 9:57
